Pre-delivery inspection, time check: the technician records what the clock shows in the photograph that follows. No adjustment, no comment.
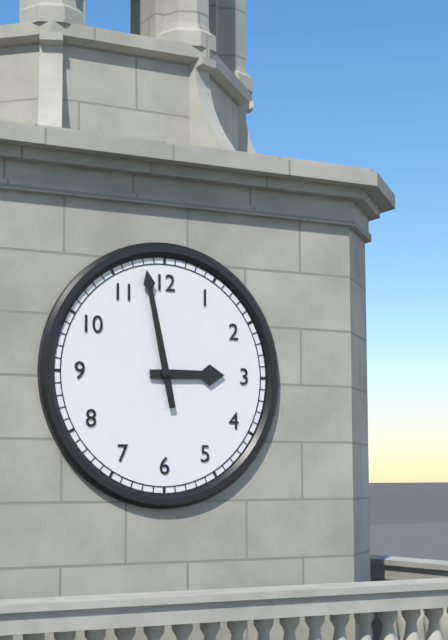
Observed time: 2:58
